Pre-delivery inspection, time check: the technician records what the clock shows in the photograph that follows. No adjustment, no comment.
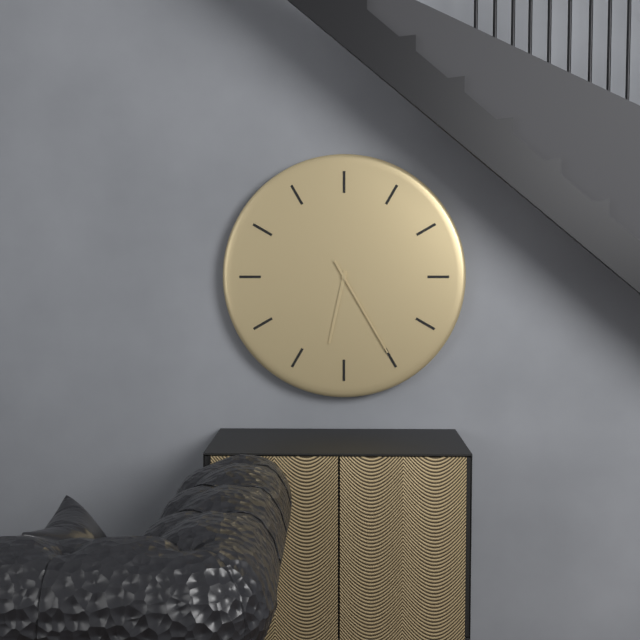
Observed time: 6:25
